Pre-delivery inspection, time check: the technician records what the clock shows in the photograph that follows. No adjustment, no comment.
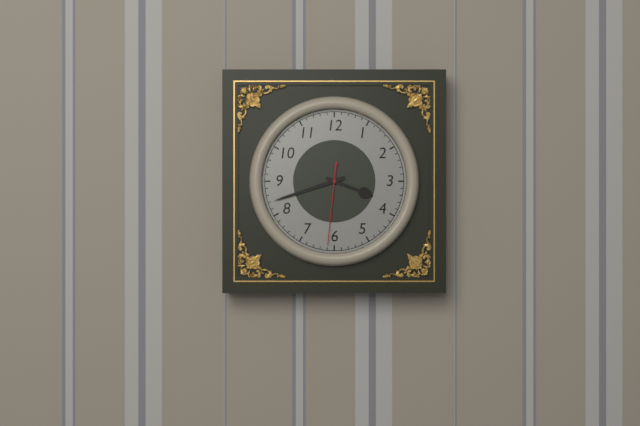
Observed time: 3:42:31
